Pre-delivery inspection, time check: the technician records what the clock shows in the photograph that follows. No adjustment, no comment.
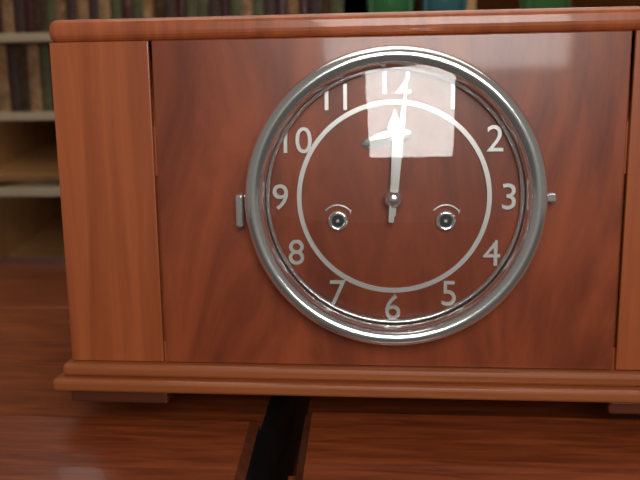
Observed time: 12:01
